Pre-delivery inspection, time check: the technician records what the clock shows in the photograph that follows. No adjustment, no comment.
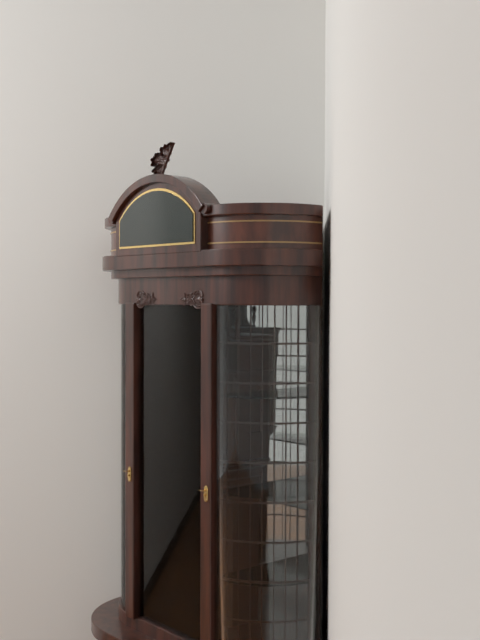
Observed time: 6:13
